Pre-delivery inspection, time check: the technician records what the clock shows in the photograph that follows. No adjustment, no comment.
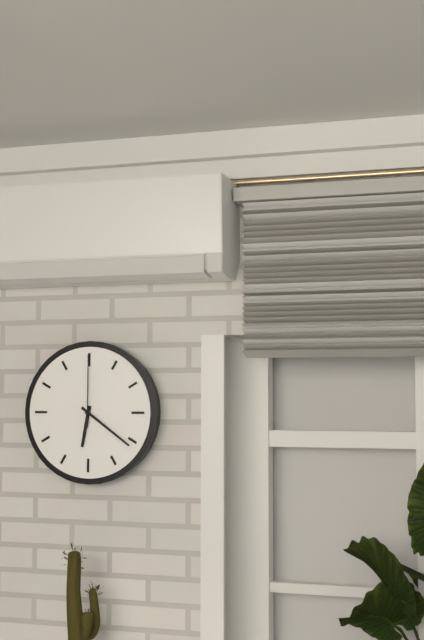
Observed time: 6:21:00
